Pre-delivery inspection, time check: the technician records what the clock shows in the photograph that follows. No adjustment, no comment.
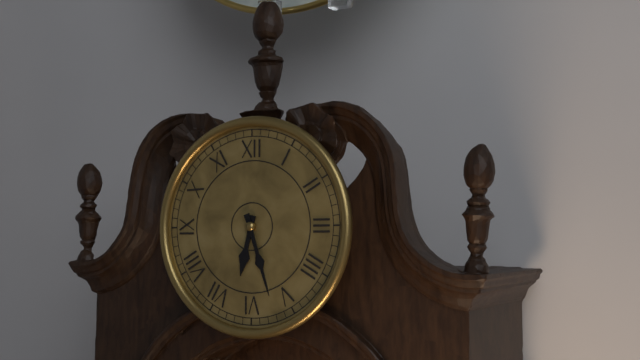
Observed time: 6:27
